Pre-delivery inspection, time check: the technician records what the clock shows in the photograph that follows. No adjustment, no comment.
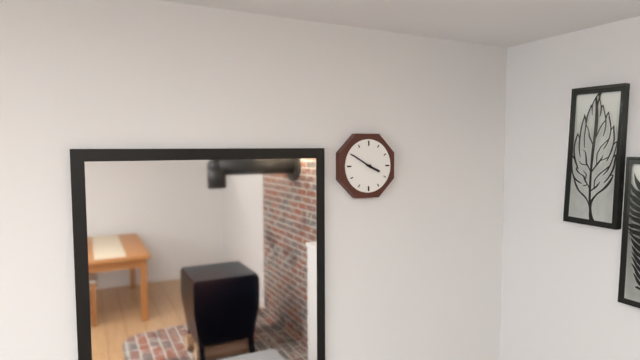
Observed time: 3:50
